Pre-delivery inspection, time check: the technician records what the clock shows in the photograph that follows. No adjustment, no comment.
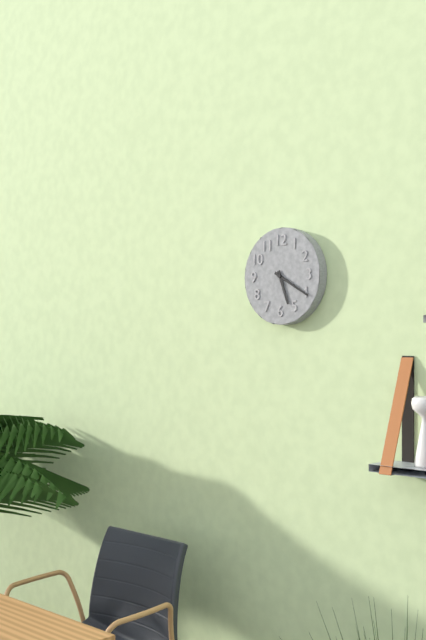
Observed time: 5:20
